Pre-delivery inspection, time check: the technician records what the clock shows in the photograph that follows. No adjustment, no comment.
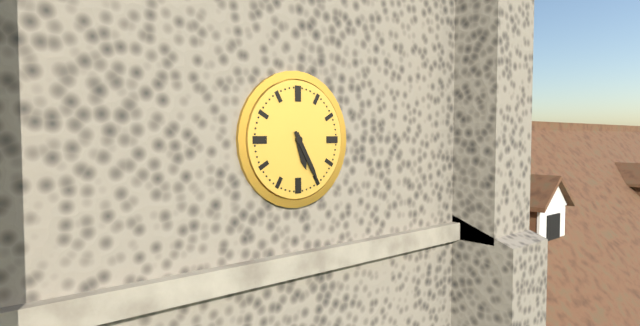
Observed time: 5:25
